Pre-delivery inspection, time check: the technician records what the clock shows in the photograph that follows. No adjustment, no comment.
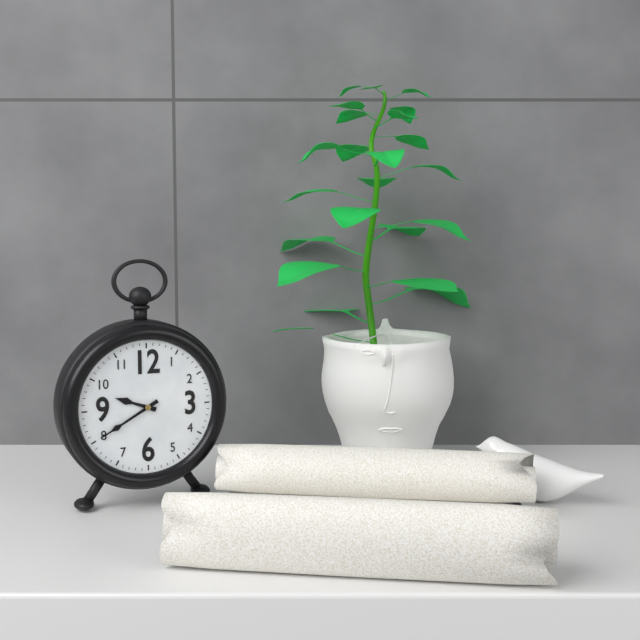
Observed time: 9:40
